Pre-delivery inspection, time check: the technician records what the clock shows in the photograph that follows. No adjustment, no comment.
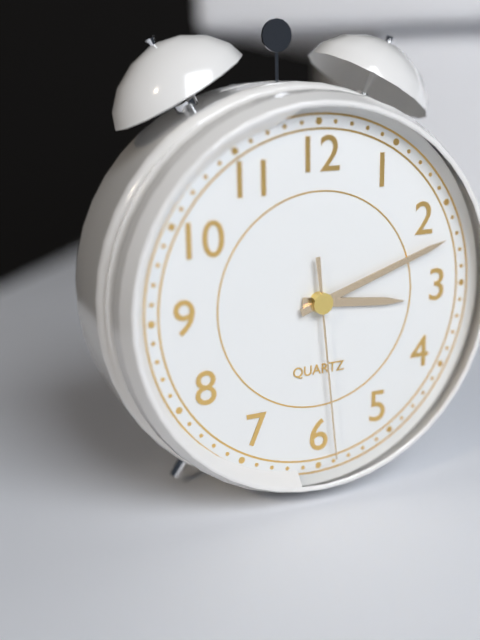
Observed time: 3:12:29
